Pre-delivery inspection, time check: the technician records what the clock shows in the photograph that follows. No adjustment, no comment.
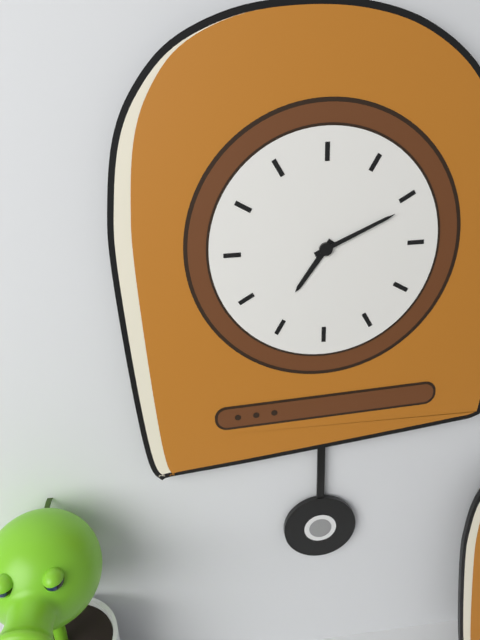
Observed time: 7:11
